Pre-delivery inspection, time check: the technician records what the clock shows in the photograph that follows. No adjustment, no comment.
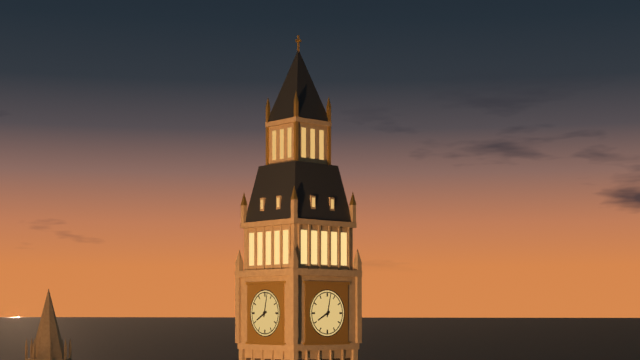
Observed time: 8:02
